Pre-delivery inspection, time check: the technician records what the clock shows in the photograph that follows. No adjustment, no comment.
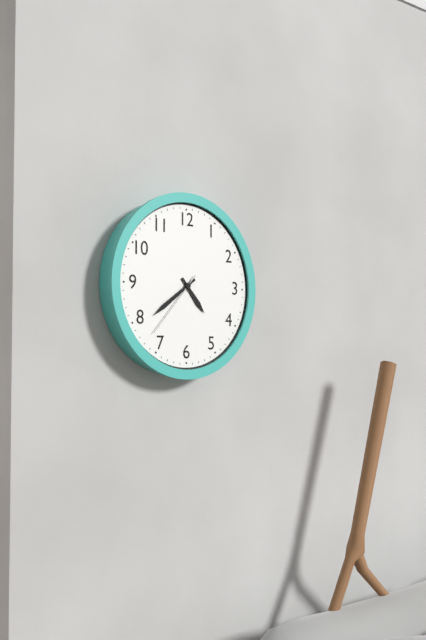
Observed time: 4:39:37
